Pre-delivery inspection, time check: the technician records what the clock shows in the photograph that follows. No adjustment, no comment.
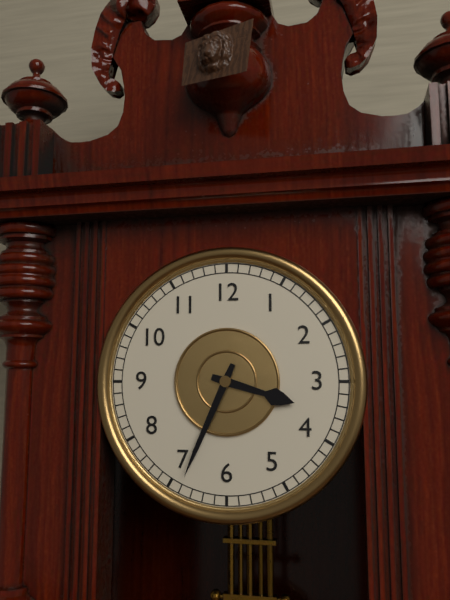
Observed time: 3:34
